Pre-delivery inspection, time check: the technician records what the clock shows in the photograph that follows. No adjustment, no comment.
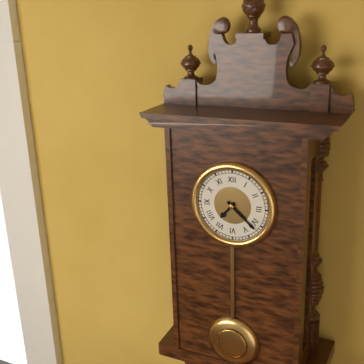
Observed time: 7:22
